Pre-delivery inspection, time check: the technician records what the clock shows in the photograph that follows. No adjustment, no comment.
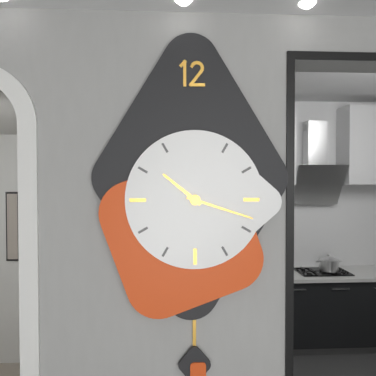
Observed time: 10:18
